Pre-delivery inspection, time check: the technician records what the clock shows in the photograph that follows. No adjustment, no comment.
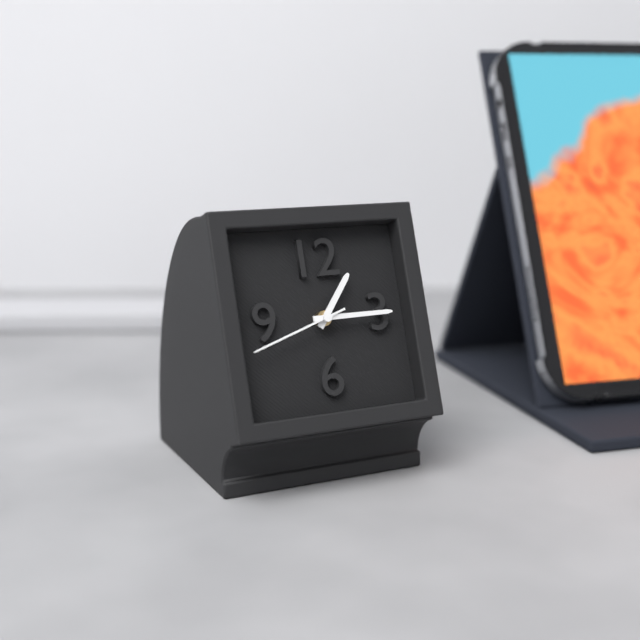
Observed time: 1:15:42
